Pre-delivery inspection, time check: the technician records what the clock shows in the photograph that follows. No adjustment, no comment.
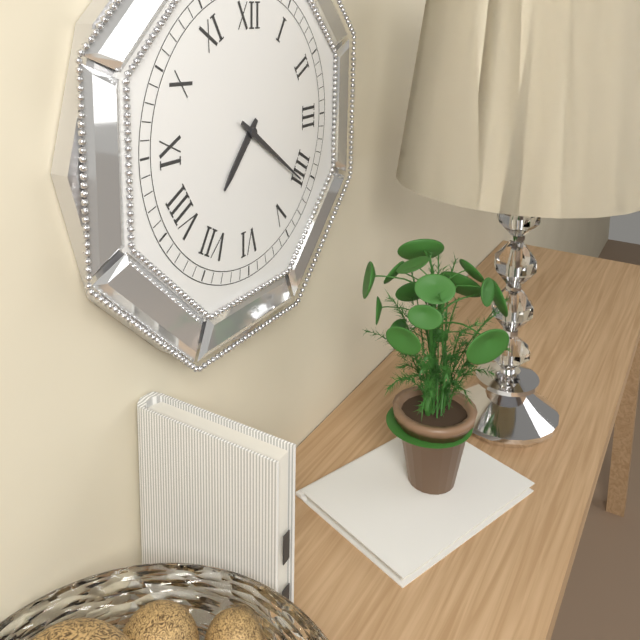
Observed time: 7:21
